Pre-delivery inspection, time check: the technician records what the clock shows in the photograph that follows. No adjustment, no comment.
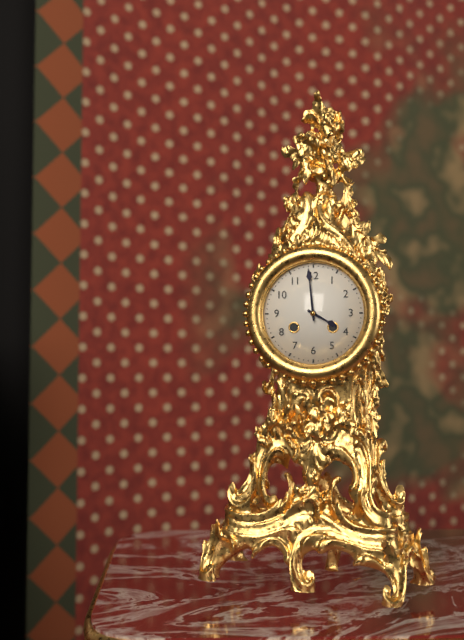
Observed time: 3:59
